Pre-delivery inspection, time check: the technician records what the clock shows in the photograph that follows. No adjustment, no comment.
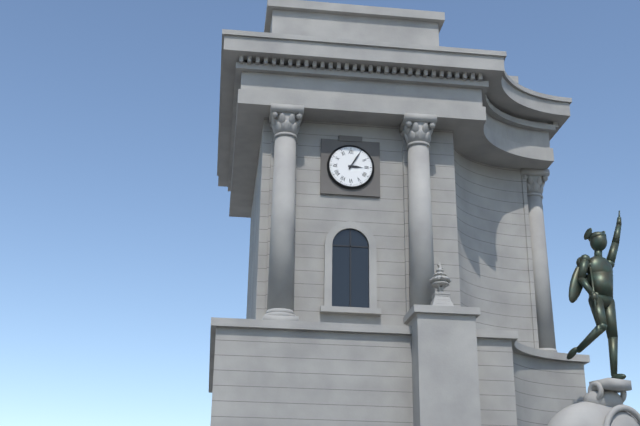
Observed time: 3:05
